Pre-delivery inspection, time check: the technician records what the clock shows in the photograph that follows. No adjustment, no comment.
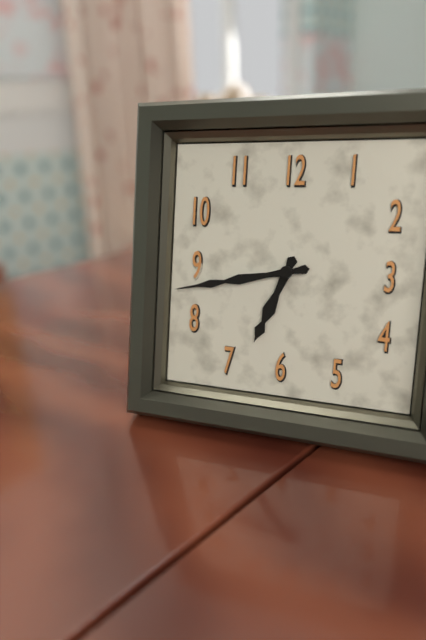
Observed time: 6:43
